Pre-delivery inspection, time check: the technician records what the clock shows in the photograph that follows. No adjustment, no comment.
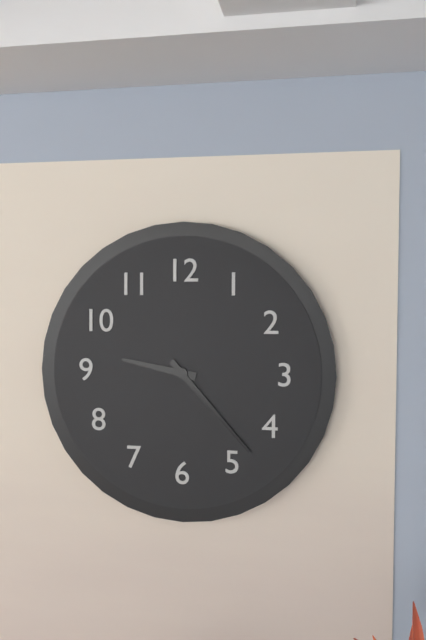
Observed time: 9:23
